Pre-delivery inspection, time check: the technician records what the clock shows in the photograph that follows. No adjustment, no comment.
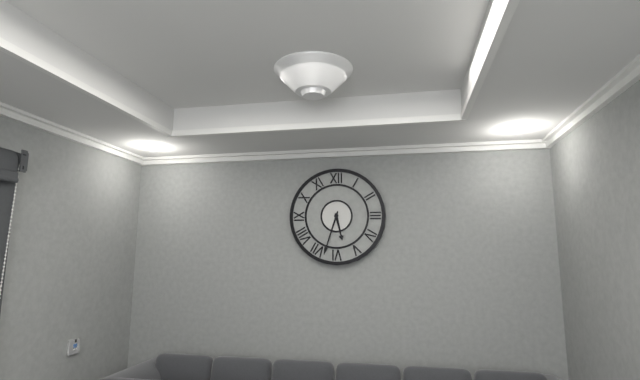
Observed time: 5:33
